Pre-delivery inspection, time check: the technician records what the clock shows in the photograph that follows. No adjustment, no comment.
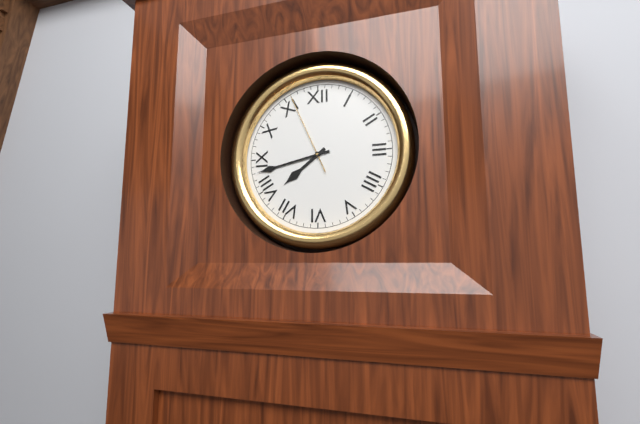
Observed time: 7:43:56
